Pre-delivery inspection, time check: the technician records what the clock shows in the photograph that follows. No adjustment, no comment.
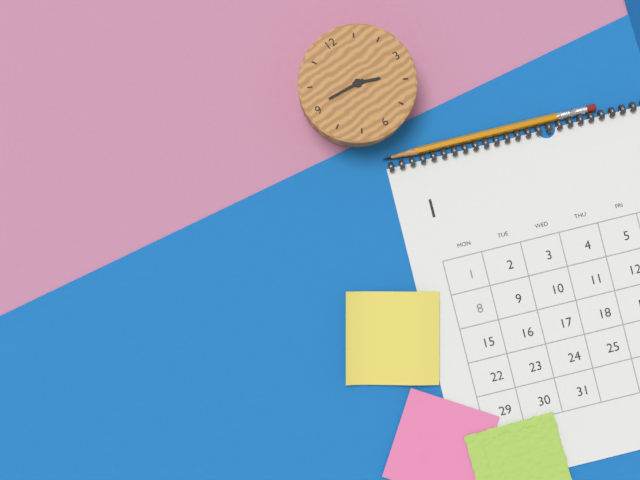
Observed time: 3:46
